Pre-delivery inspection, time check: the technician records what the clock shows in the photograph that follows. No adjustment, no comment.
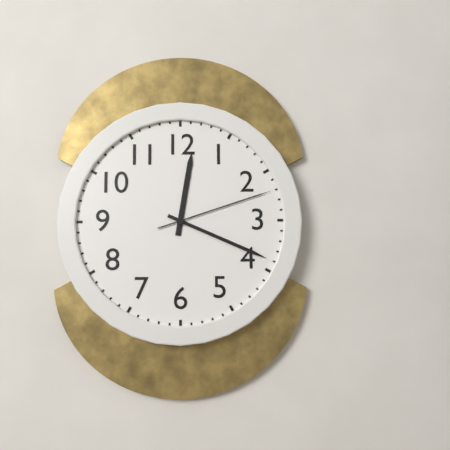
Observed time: 12:19:12
